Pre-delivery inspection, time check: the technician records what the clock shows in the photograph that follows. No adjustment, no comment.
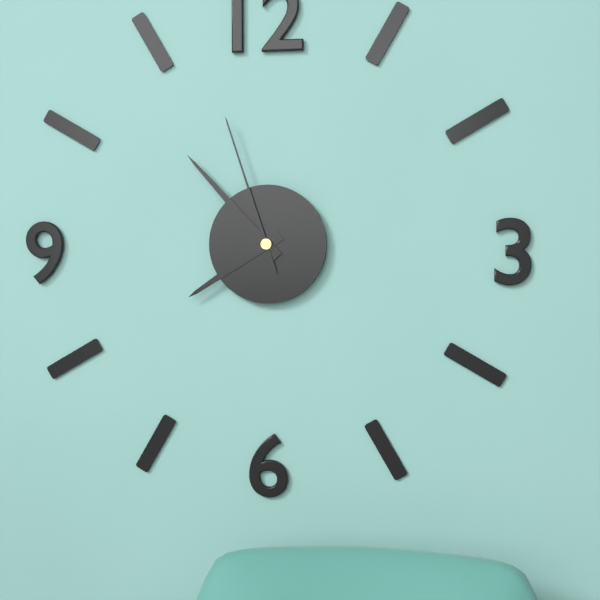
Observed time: 7:53:57
